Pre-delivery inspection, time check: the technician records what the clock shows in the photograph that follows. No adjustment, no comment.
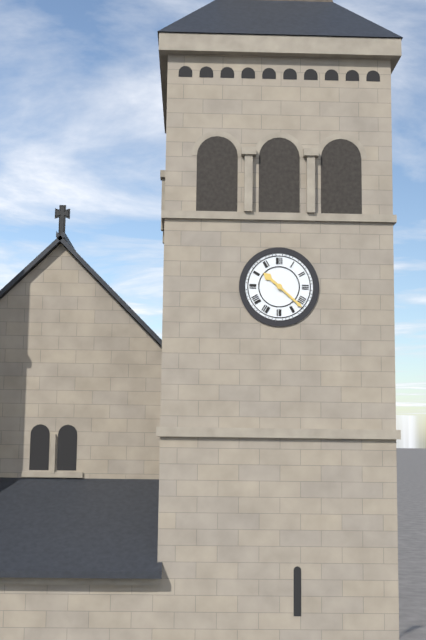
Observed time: 10:22
